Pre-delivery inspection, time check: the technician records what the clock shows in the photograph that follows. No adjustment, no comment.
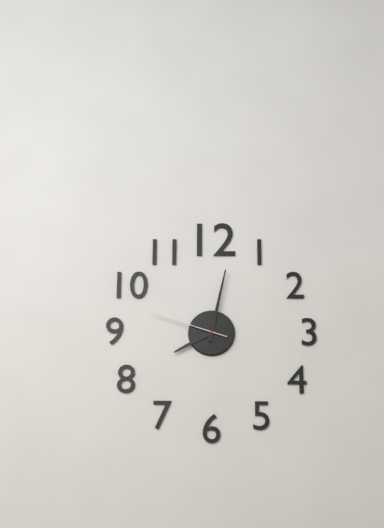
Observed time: 8:02:48
